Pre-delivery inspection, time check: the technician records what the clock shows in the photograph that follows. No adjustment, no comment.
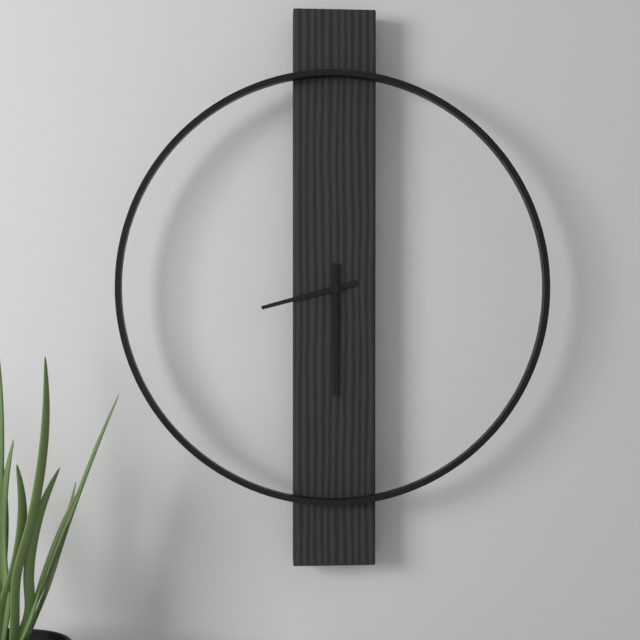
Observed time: 8:30
